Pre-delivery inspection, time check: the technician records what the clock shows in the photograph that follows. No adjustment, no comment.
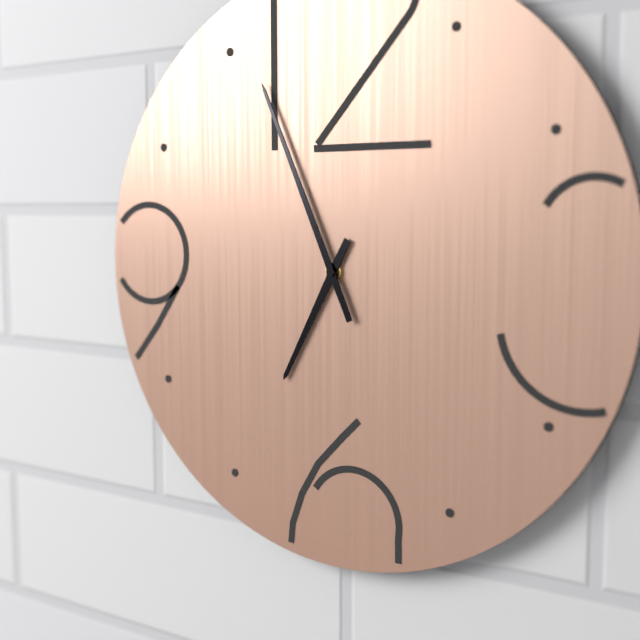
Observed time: 6:56
